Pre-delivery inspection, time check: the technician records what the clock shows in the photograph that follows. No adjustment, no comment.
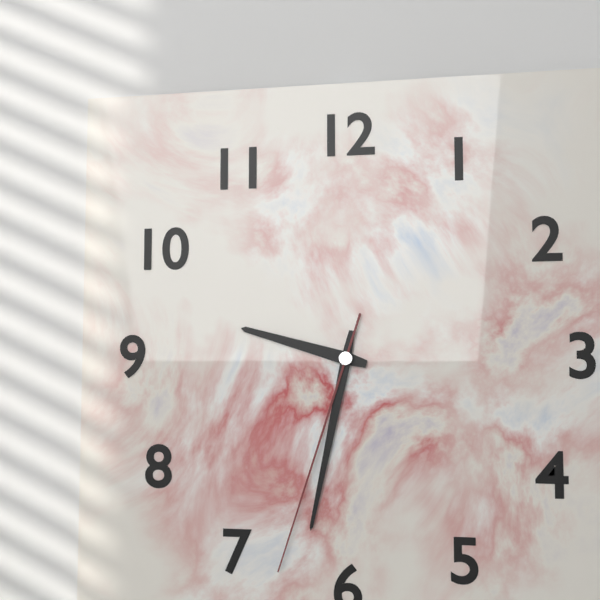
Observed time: 9:32:33
